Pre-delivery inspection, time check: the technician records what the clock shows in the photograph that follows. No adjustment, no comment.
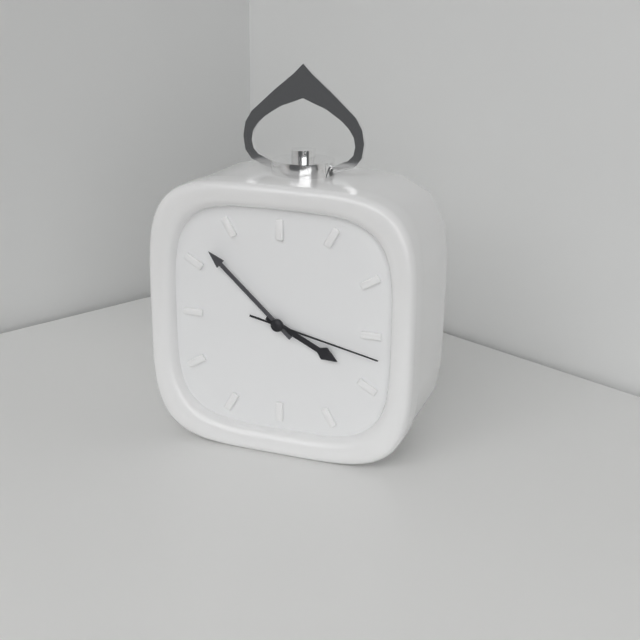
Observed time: 3:52:17
